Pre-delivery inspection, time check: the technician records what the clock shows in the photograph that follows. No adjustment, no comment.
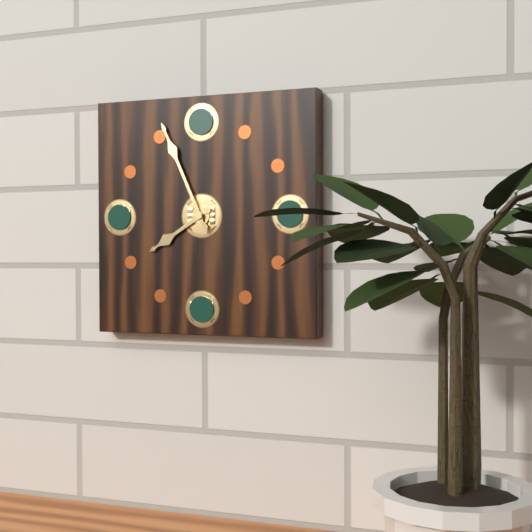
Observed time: 7:56
